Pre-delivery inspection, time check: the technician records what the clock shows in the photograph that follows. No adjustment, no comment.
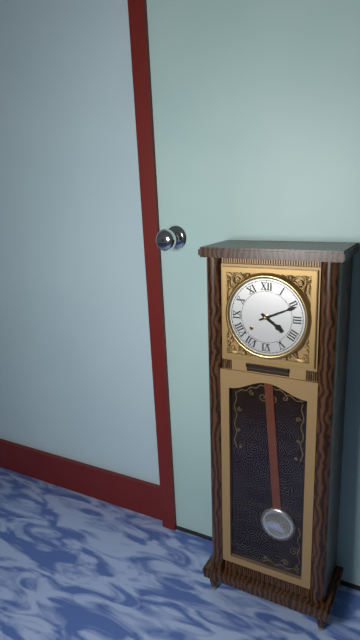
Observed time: 4:11
